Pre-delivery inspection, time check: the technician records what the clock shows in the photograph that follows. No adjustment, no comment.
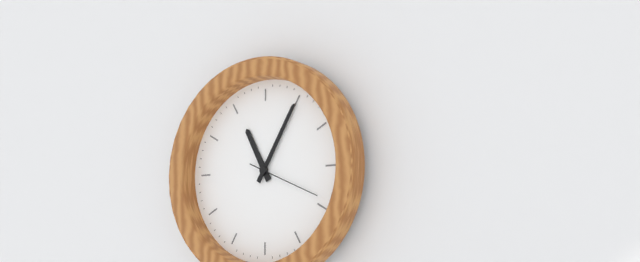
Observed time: 11:05:19
